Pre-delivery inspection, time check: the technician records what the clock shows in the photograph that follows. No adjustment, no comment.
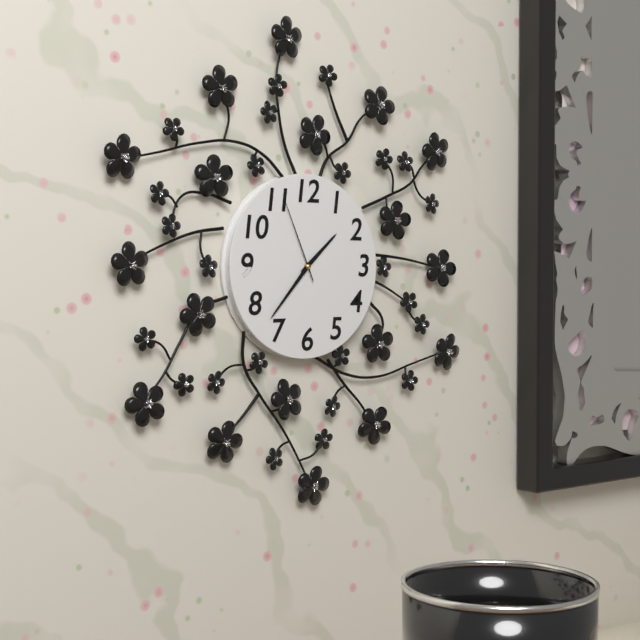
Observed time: 1:37:56
